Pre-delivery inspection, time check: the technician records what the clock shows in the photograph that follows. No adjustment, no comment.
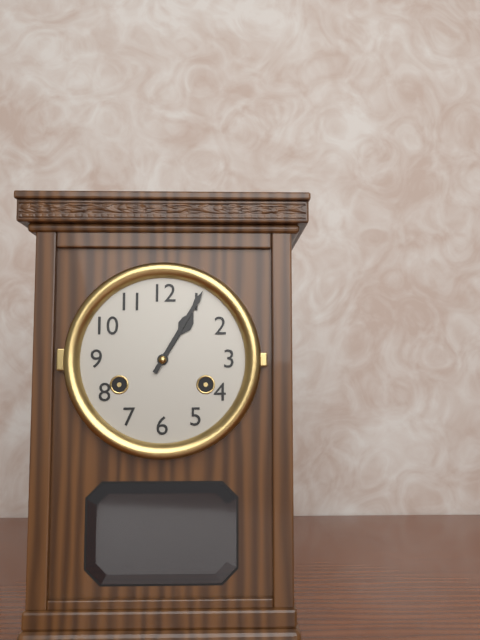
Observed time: 1:05
